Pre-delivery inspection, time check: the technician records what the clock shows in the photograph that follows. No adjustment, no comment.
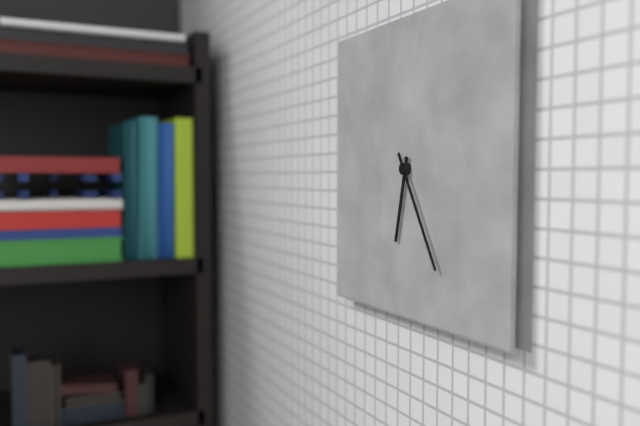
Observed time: 6:25
